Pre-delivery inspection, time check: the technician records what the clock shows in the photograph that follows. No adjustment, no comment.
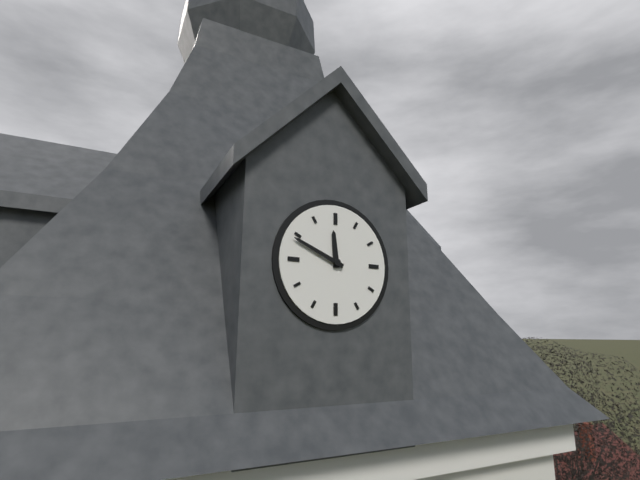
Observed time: 11:49
